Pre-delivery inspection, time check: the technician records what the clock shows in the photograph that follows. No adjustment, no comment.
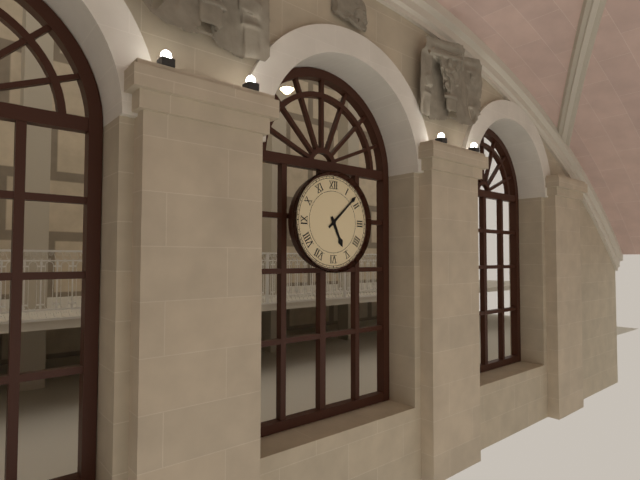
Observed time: 5:08
